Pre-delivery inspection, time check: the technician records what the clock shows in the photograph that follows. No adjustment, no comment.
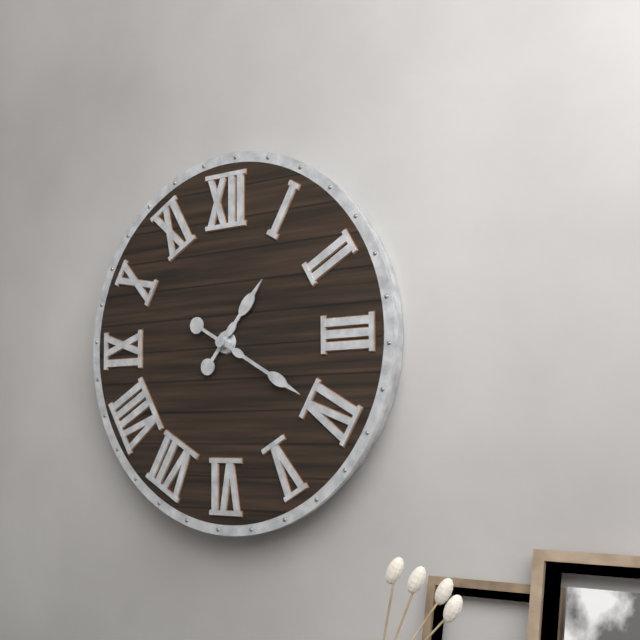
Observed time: 1:20
